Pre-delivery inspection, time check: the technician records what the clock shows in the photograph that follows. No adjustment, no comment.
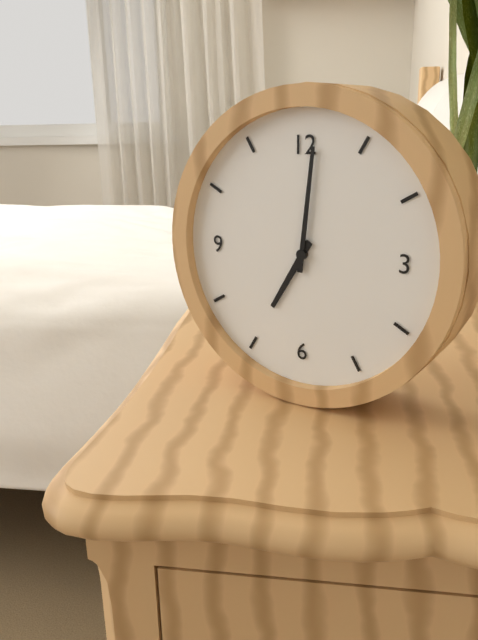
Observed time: 7:01
